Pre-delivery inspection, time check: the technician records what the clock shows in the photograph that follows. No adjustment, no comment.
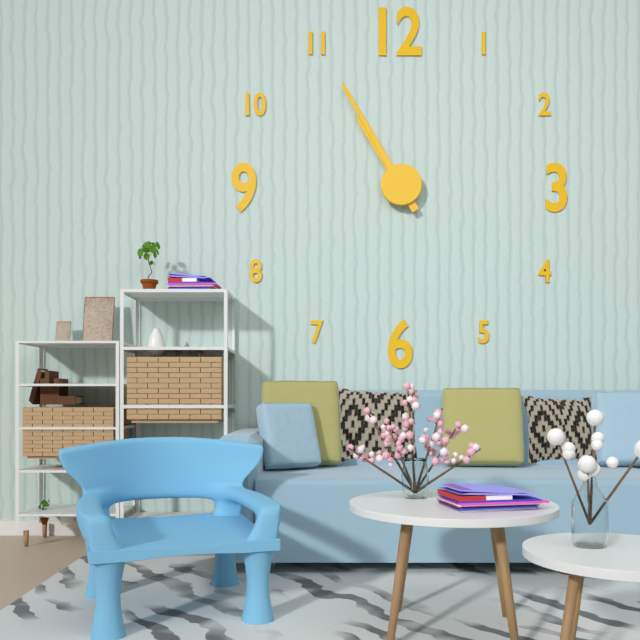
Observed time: 10:55
